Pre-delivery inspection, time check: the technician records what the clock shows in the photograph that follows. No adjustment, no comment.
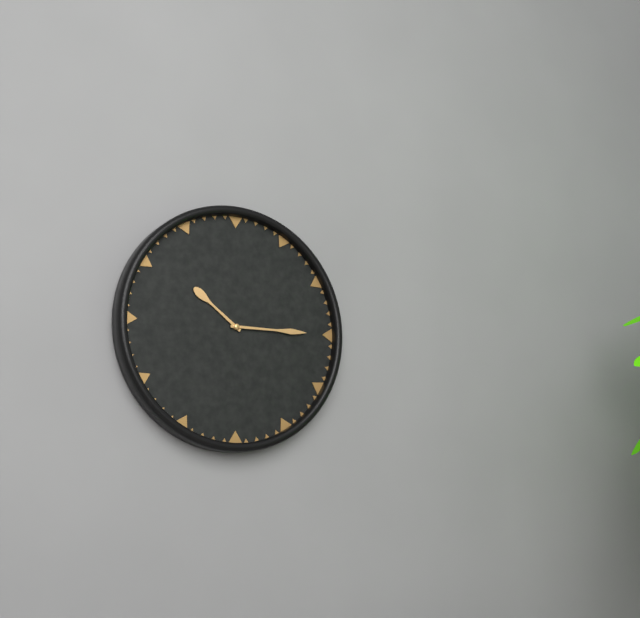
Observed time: 10:15
